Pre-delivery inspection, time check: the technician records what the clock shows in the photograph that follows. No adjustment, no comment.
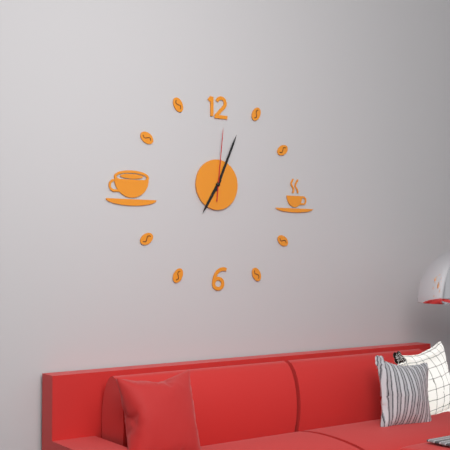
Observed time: 7:04:01
